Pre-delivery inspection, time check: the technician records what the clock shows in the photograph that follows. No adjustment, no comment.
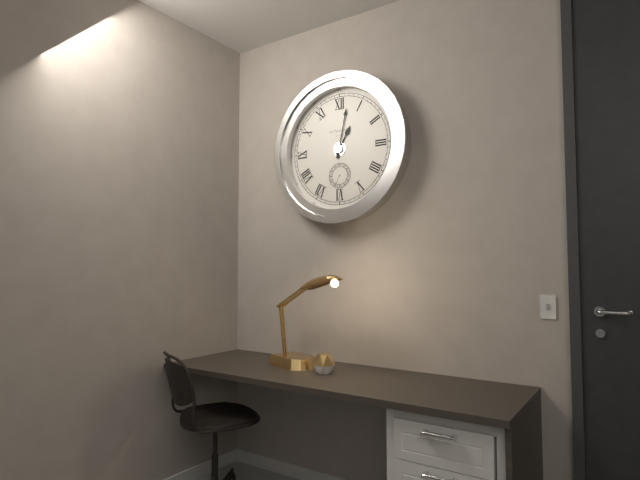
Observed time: 1:02
